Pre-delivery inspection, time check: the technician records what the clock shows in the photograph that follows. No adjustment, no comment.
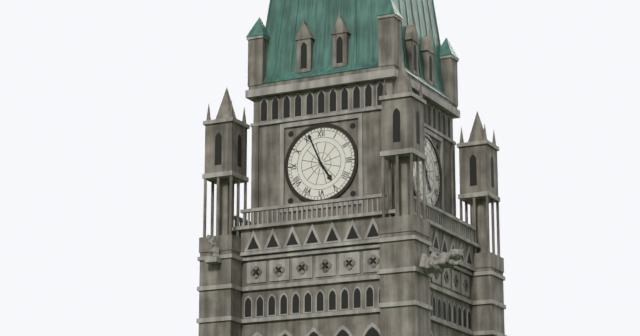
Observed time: 4:56
